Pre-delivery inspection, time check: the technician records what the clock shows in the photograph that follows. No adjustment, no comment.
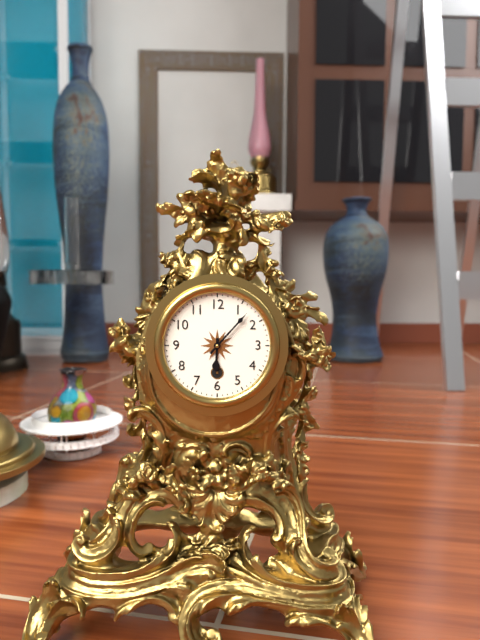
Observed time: 6:07
